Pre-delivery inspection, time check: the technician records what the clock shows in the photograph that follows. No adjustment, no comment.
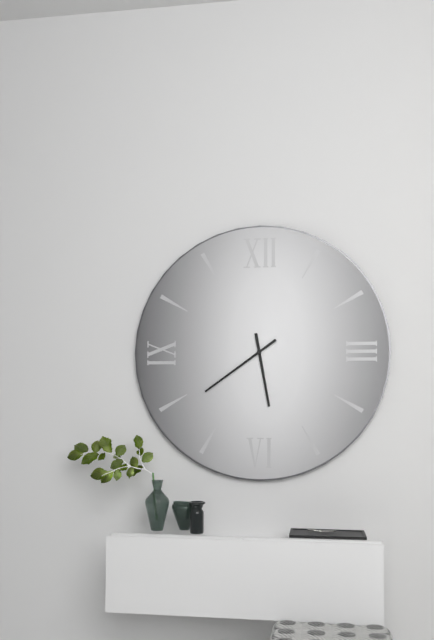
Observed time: 5:39
